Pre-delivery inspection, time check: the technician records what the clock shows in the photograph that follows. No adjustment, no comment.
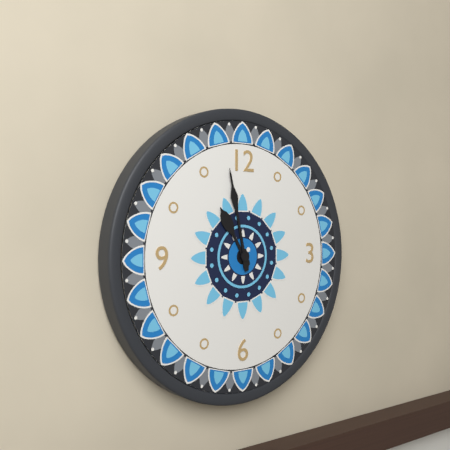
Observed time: 10:58
